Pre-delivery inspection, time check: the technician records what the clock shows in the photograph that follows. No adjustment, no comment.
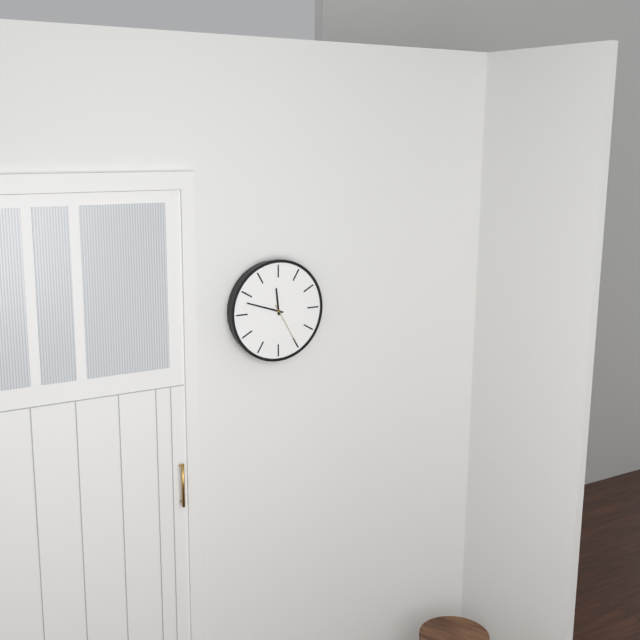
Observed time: 11:48
